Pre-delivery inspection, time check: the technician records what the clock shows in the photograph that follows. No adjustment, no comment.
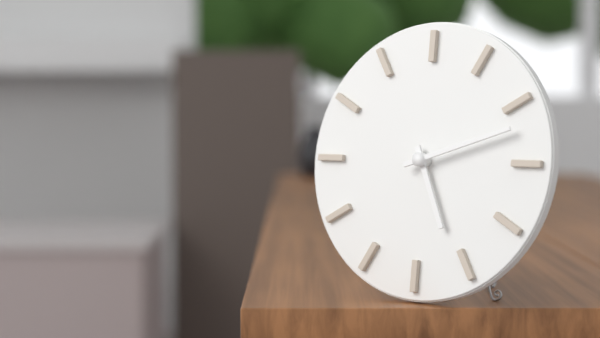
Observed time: 5:12
